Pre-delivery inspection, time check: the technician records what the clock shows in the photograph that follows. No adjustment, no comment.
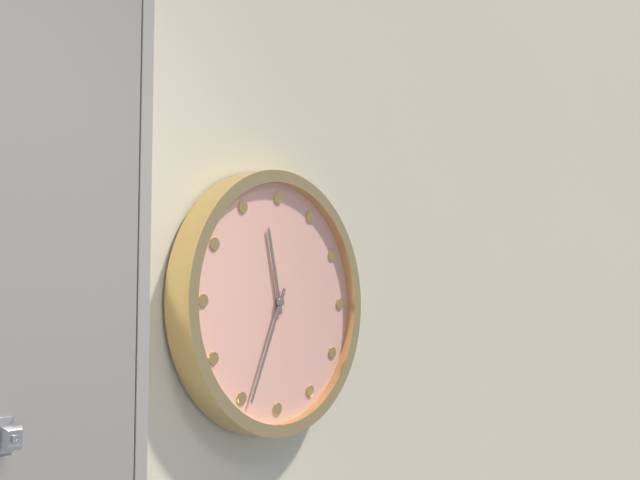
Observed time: 11:34
